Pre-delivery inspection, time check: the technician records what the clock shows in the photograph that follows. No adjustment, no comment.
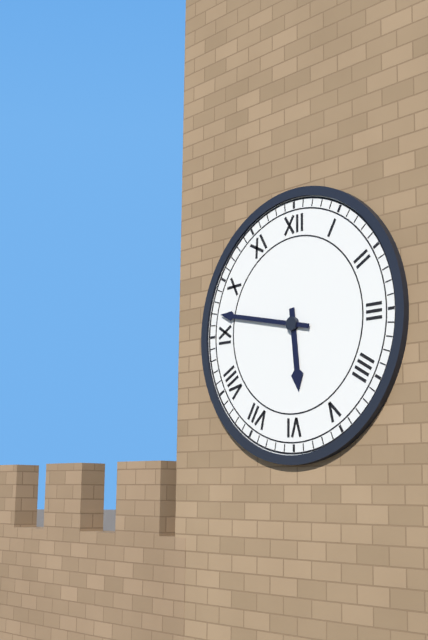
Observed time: 5:47
